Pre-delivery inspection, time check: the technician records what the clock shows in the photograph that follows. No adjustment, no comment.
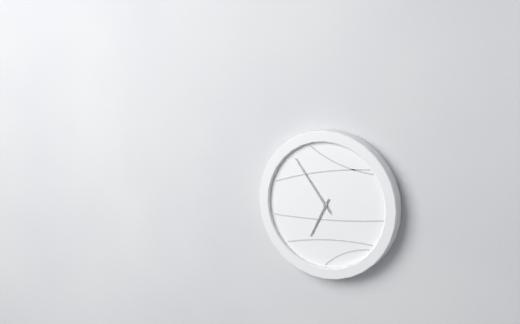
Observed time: 6:54
